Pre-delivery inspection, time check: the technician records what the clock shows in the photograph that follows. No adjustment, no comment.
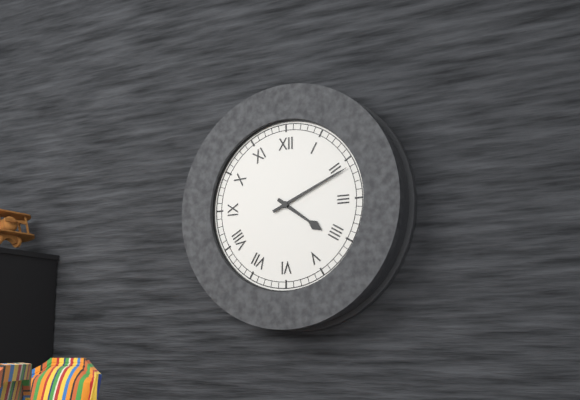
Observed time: 4:11
